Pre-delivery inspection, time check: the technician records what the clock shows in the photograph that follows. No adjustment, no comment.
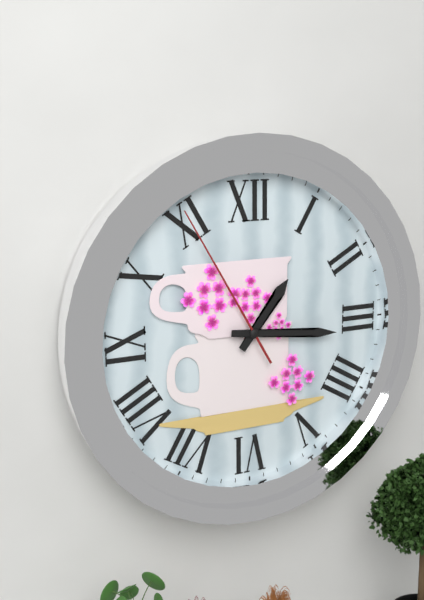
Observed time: 1:16:55
